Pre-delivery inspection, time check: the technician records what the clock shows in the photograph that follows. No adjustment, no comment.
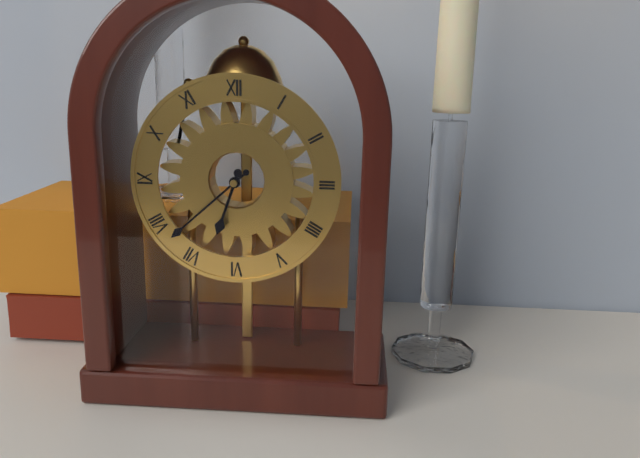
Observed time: 6:38
